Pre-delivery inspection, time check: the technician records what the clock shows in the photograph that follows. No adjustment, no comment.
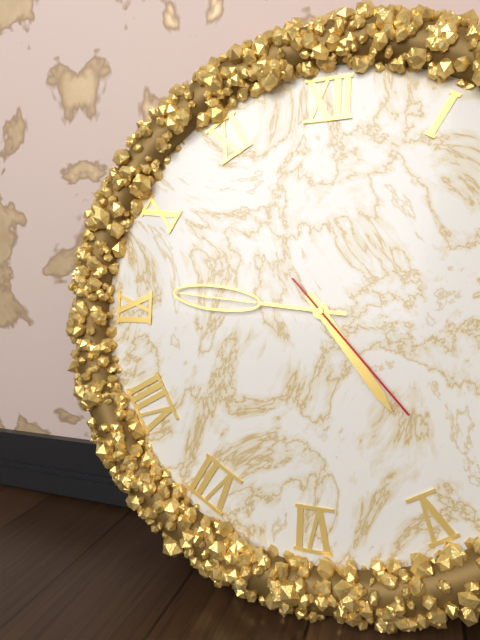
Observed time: 4:46:23
